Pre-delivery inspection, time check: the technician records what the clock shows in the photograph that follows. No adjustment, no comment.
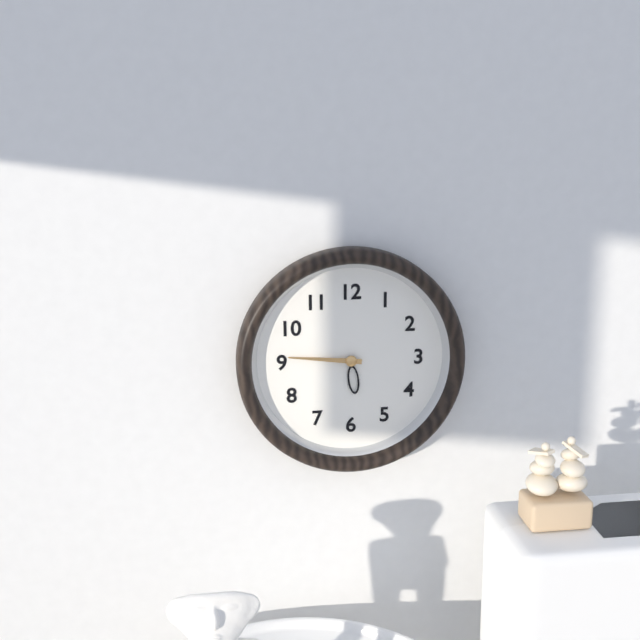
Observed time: 5:46
